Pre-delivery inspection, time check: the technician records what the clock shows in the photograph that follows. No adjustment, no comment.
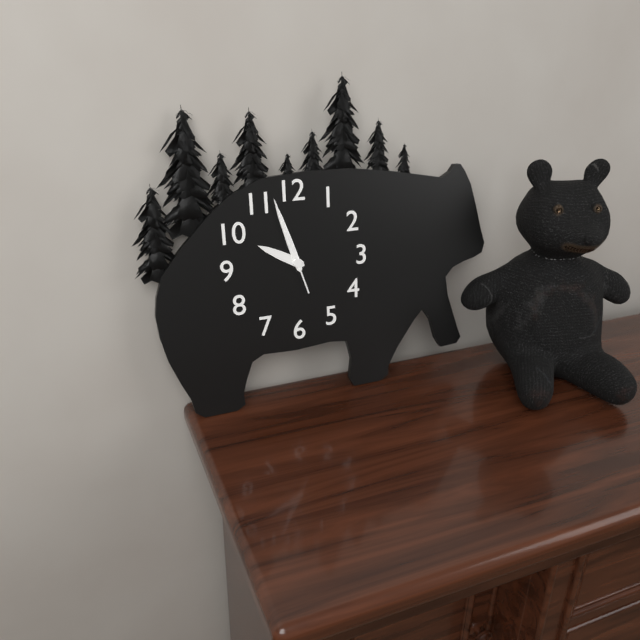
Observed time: 9:57:57
